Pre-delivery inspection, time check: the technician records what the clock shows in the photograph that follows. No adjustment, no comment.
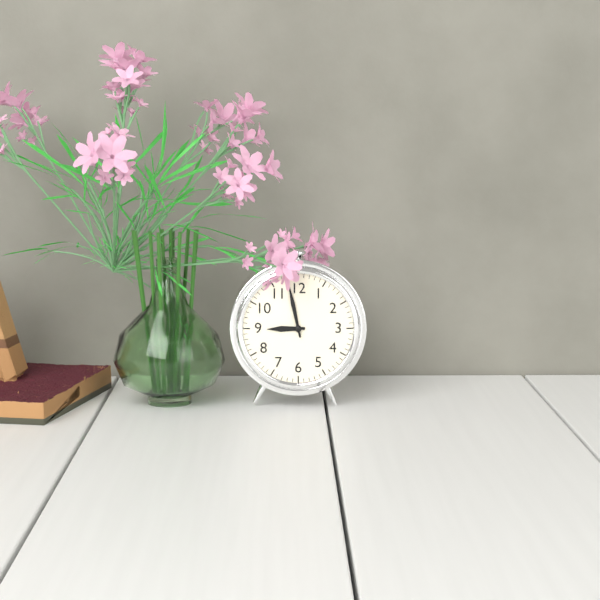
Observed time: 8:58
